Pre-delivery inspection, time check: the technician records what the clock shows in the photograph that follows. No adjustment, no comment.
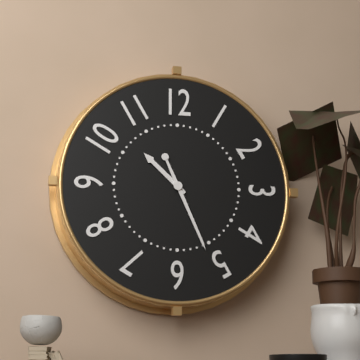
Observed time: 10:26
